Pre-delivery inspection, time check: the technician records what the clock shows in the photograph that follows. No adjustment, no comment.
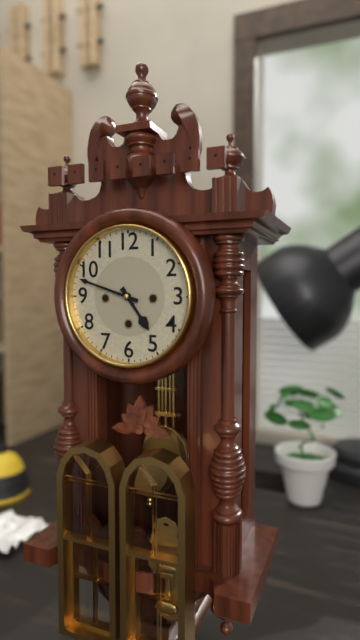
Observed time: 4:48
